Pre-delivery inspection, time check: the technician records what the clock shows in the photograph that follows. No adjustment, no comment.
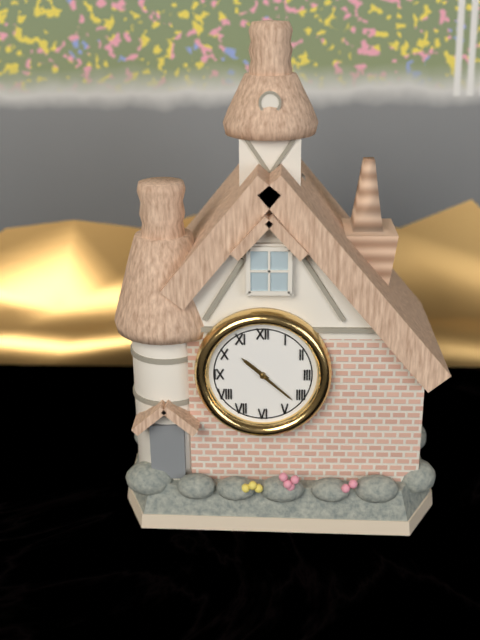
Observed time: 10:22
